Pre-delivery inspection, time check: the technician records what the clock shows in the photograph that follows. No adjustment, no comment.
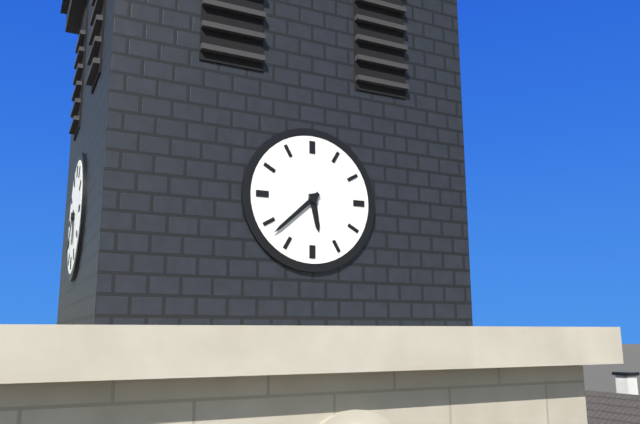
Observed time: 5:38
